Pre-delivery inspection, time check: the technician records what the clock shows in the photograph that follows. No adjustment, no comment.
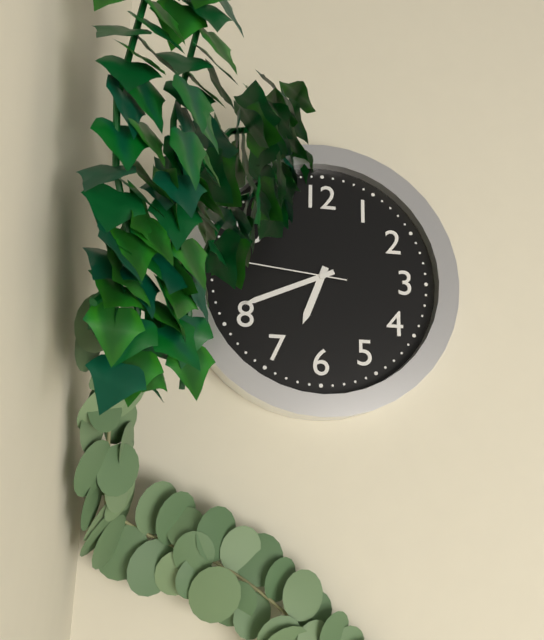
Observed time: 6:41:46
